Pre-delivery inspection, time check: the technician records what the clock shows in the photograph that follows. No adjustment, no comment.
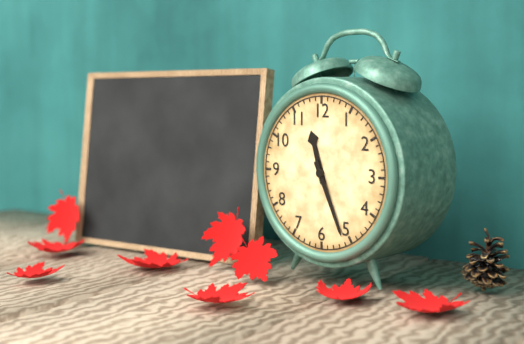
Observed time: 11:26
